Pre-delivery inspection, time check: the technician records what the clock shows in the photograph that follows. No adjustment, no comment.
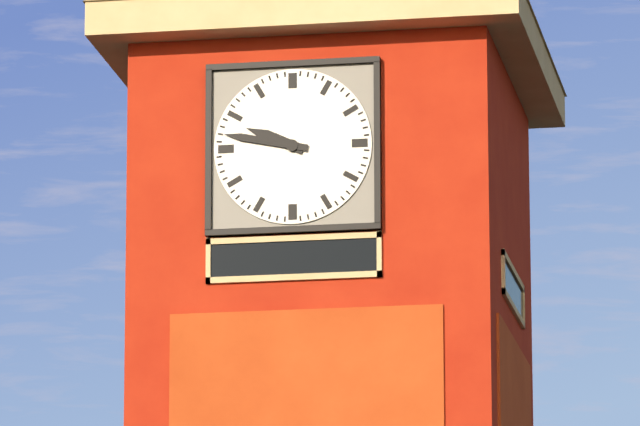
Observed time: 9:47
